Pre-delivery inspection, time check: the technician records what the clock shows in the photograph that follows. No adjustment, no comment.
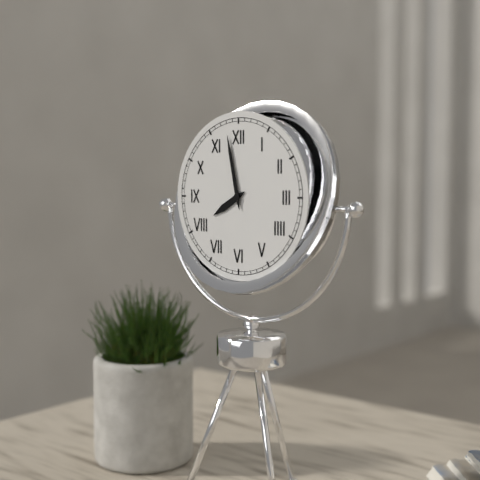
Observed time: 7:58
